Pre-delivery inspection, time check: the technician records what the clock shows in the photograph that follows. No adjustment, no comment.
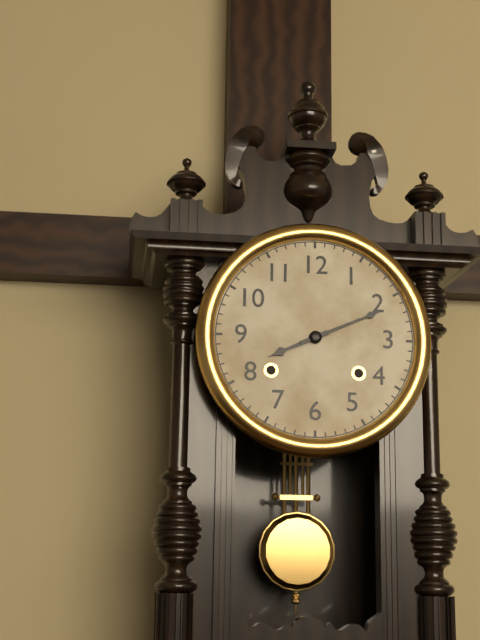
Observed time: 8:11
